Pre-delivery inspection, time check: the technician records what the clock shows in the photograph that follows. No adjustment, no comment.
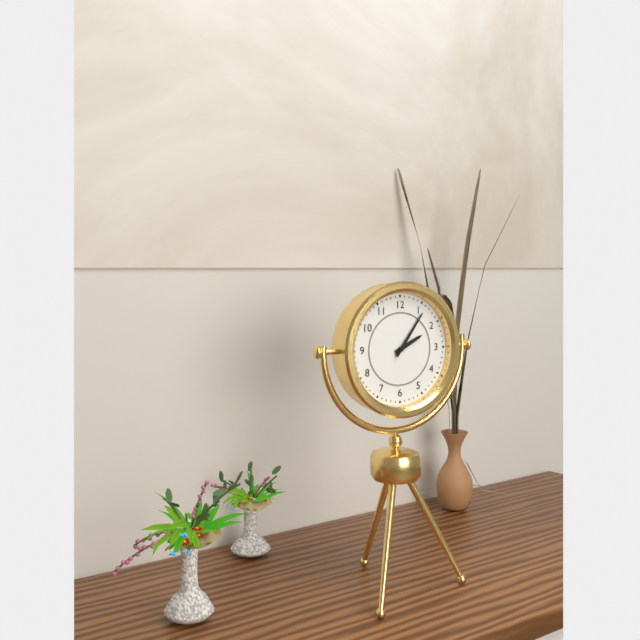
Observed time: 2:06
